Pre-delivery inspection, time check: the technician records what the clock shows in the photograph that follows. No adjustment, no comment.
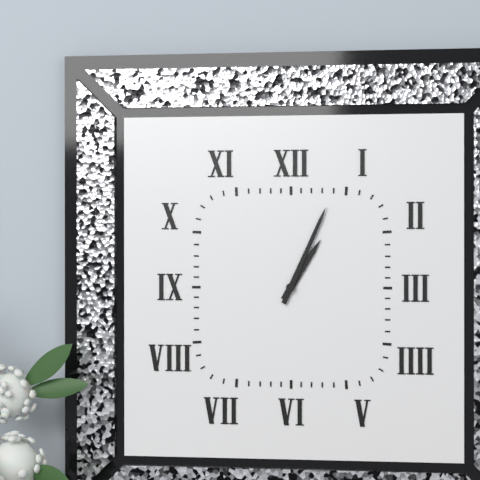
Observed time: 1:04
